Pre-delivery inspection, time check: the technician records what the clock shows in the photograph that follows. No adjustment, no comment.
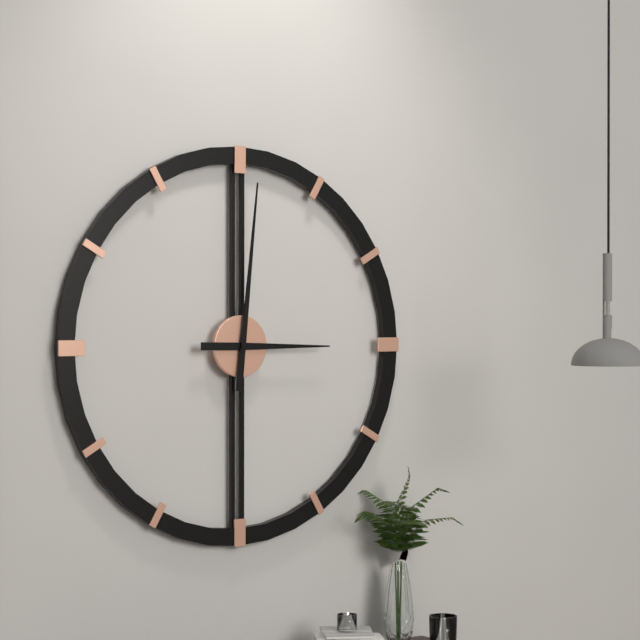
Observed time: 3:01
